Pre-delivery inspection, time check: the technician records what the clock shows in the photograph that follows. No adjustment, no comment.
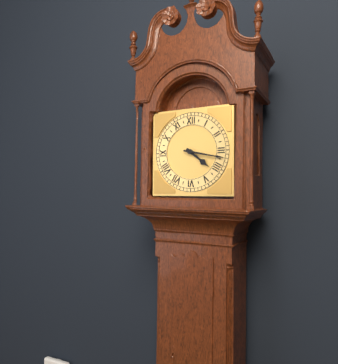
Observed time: 4:17
